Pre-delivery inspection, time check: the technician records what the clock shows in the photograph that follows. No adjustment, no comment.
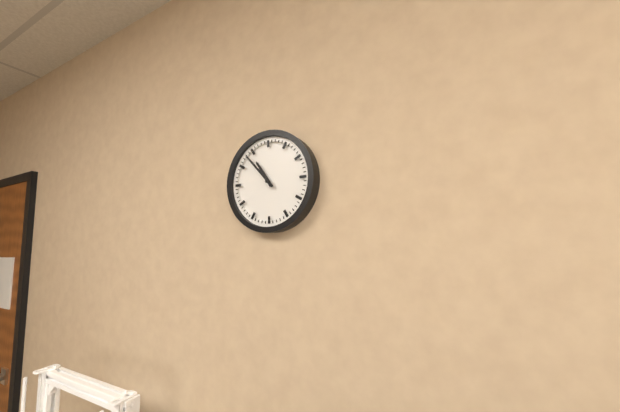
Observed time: 10:53
